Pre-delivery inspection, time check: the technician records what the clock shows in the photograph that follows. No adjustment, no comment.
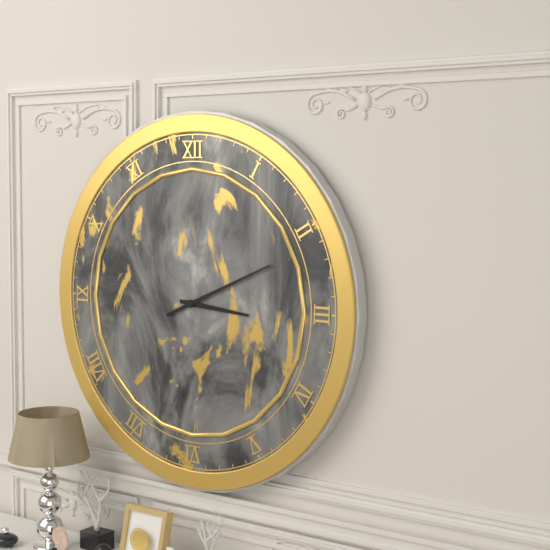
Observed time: 3:11
